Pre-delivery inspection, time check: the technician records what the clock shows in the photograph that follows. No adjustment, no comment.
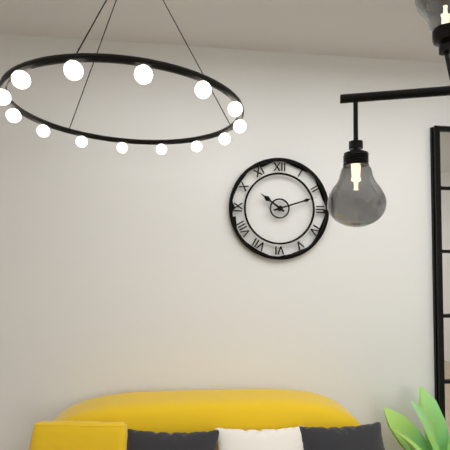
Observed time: 10:12
